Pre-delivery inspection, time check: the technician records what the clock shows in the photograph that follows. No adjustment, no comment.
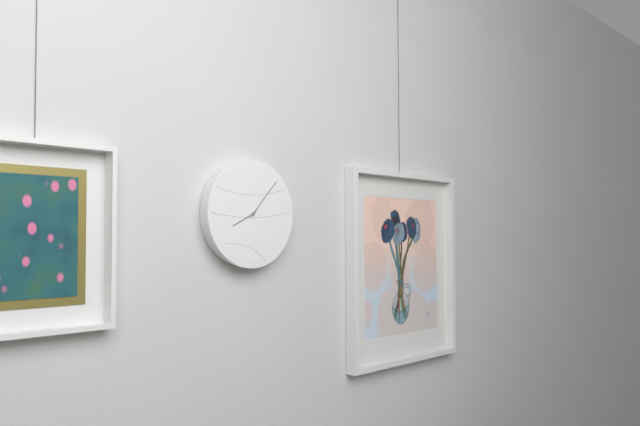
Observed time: 8:07
